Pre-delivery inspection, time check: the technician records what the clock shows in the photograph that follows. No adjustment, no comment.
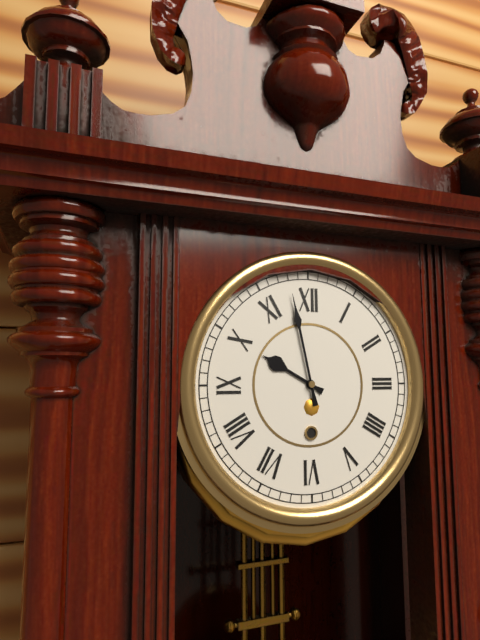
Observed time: 9:58
